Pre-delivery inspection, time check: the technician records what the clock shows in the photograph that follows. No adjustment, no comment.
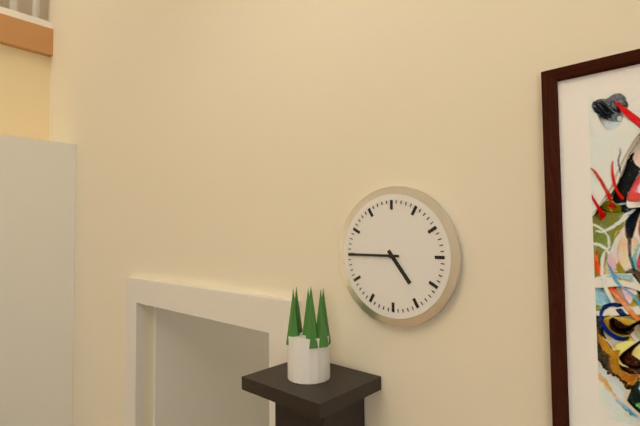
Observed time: 4:45
